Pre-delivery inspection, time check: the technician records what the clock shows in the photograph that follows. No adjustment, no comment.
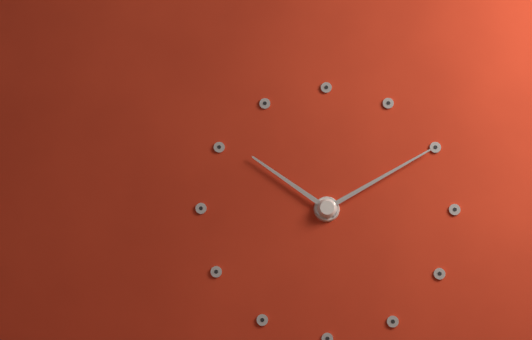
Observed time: 10:10
